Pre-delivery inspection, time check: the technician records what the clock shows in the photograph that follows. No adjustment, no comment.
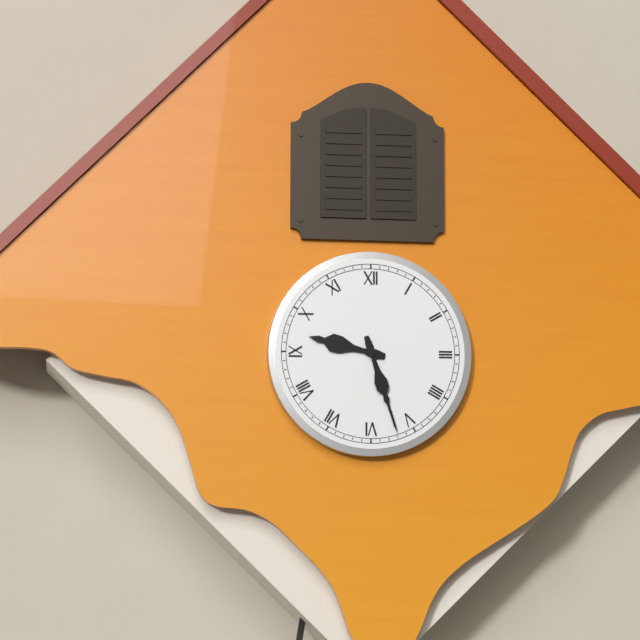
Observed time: 9:27
